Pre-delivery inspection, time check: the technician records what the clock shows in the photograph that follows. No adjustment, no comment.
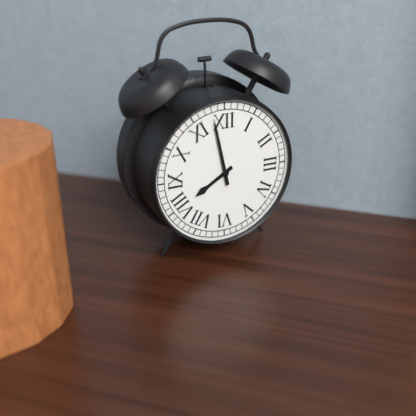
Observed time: 7:58
